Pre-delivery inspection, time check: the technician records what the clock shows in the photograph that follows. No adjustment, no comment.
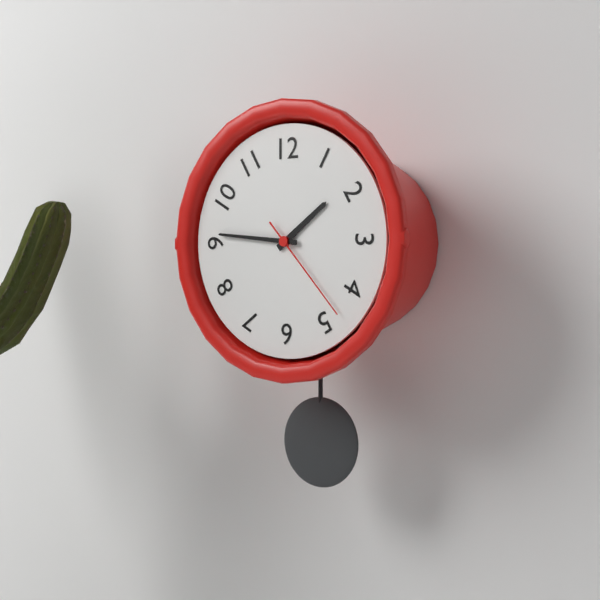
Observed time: 1:46:23
